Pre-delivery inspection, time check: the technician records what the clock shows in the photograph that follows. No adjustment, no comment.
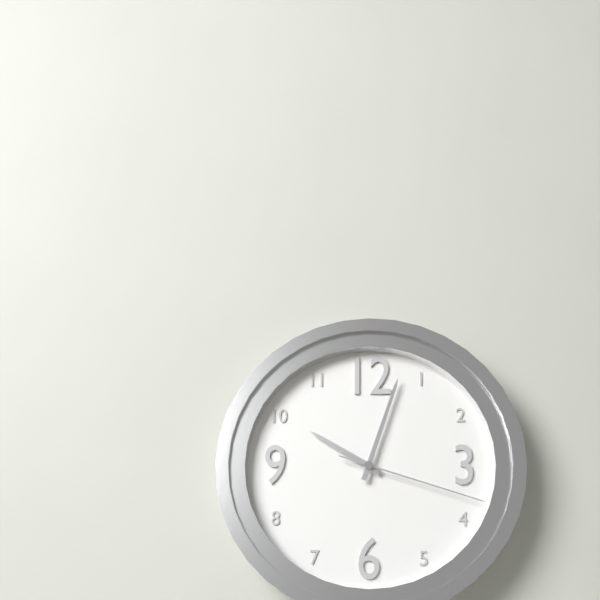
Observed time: 10:03:18
